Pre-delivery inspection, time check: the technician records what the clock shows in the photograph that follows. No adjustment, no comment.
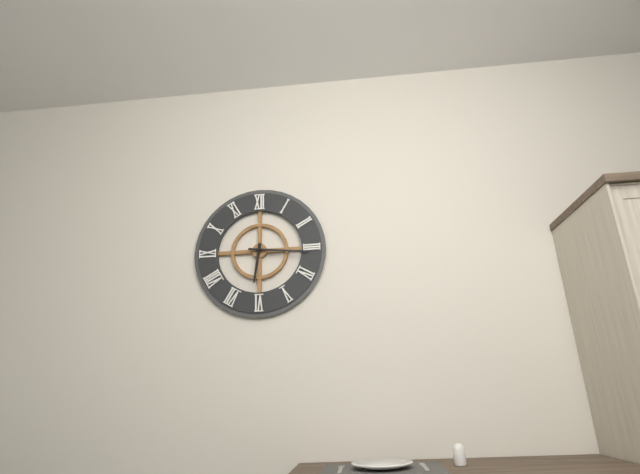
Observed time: 6:16
